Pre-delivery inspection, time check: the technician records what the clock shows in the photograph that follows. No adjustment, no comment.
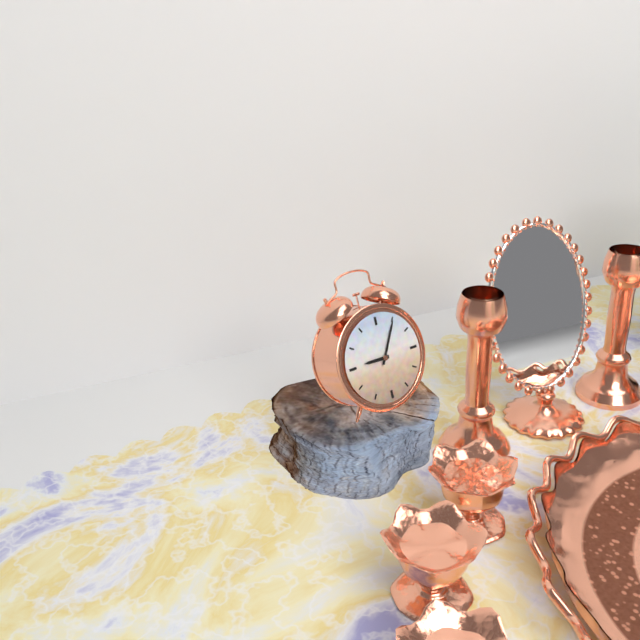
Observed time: 9:05
